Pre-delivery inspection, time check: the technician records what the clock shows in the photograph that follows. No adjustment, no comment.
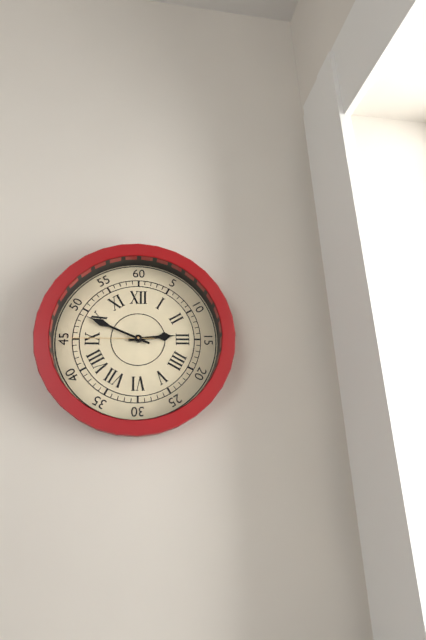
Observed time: 2:49:45
